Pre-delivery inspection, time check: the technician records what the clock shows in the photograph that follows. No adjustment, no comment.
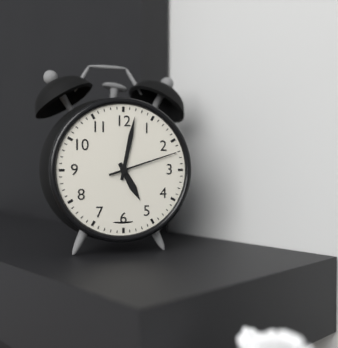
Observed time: 5:02:12
